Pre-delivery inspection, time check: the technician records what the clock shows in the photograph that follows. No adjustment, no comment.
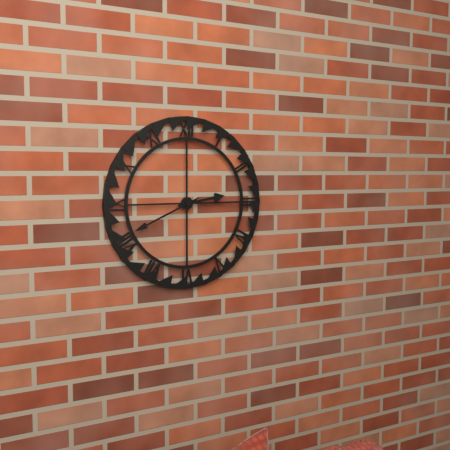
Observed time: 2:41
